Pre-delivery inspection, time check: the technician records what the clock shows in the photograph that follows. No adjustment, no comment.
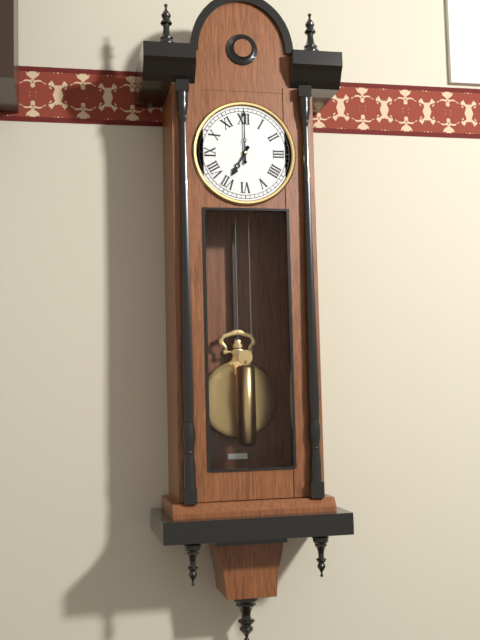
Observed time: 7:00
